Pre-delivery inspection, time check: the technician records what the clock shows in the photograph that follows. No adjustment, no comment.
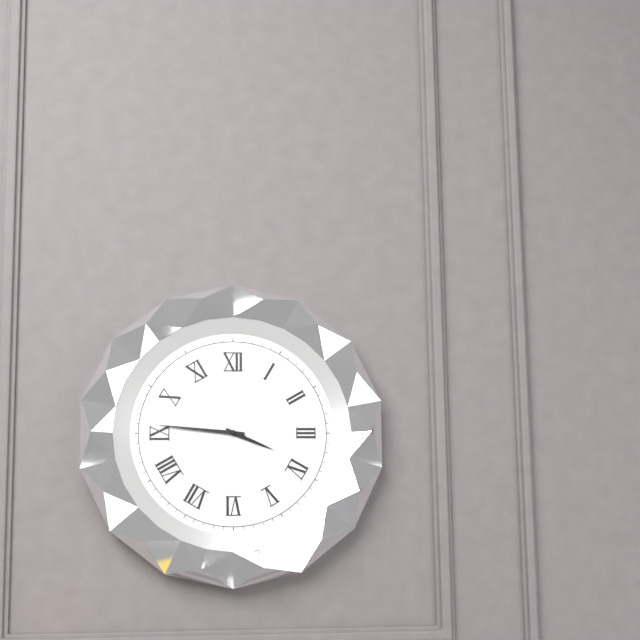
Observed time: 3:46
